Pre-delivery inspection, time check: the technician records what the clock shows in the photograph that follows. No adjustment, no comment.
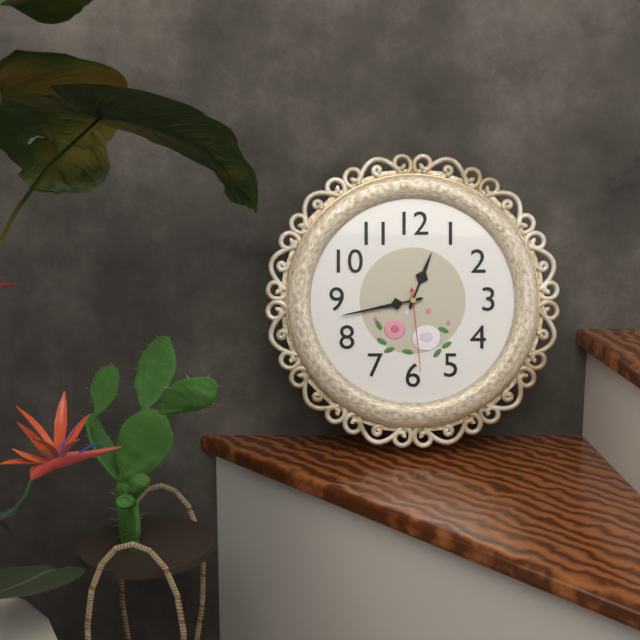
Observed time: 12:43:29
